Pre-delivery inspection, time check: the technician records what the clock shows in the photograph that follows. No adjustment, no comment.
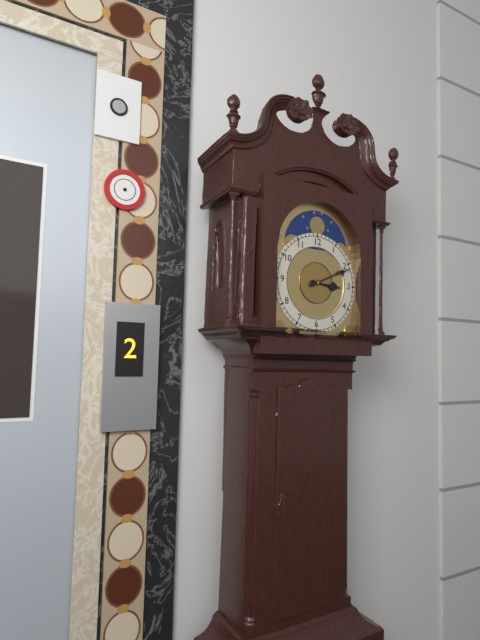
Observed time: 3:11
